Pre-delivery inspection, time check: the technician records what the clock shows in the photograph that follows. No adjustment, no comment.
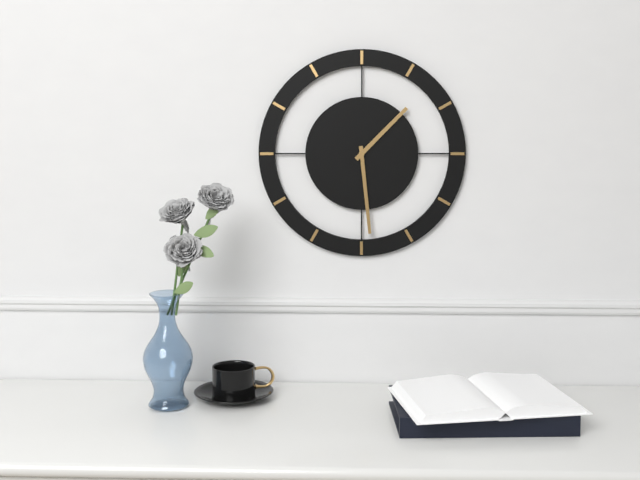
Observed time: 1:29
